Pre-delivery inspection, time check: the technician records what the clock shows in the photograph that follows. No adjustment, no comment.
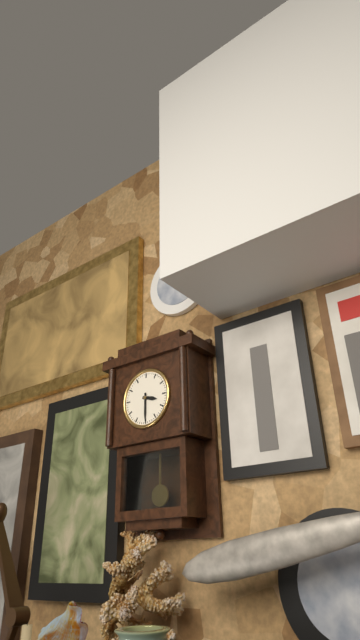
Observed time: 3:30
